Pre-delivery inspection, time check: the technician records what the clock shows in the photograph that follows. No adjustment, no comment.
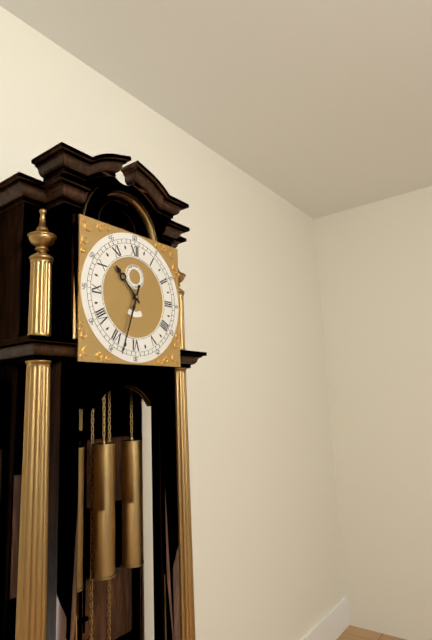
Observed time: 10:33
